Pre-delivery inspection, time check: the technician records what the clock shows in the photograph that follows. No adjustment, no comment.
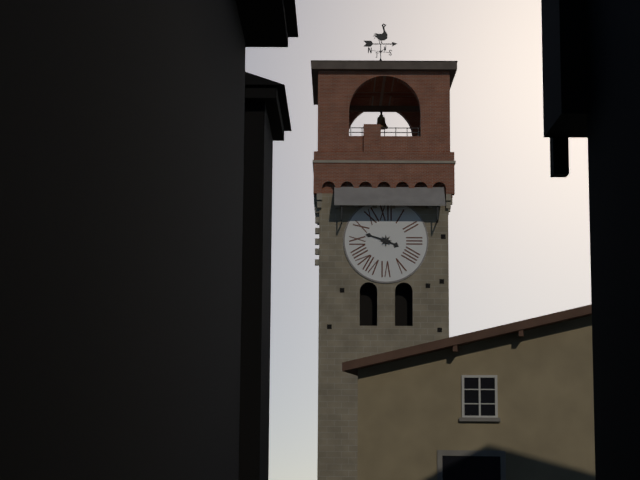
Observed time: 3:48
